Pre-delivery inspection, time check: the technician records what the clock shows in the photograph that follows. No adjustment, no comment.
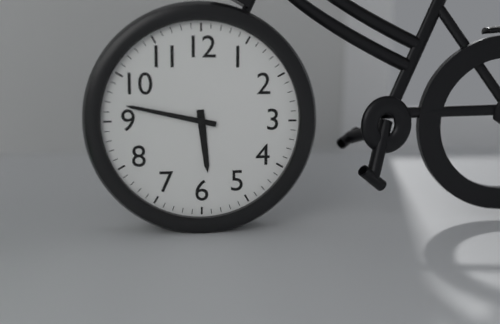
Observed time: 5:47
